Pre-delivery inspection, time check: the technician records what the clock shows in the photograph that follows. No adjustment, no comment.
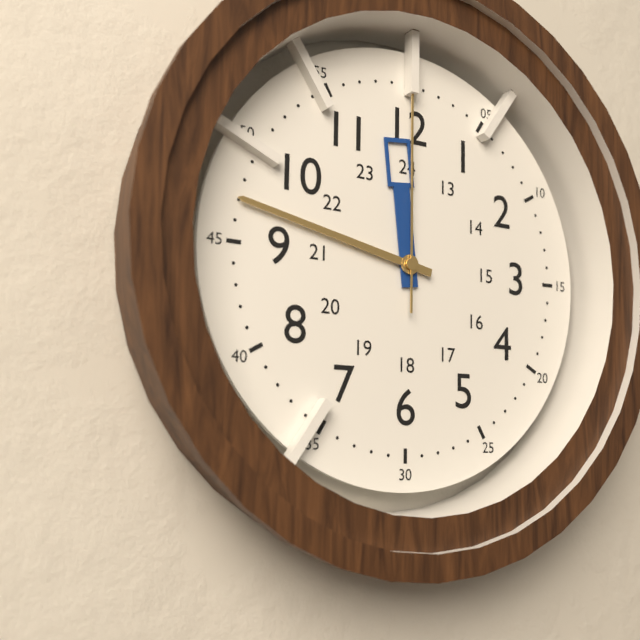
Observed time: 11:47:00
